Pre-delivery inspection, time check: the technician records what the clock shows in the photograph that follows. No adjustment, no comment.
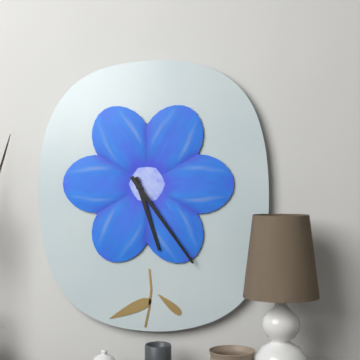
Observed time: 5:24
